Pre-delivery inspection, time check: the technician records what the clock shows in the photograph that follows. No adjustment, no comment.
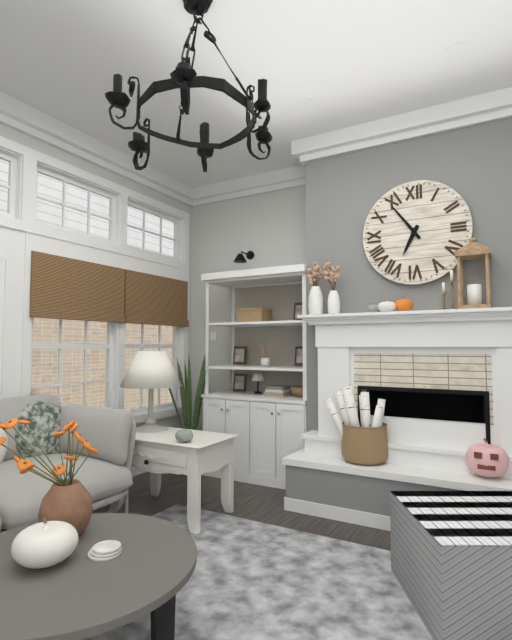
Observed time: 6:54
